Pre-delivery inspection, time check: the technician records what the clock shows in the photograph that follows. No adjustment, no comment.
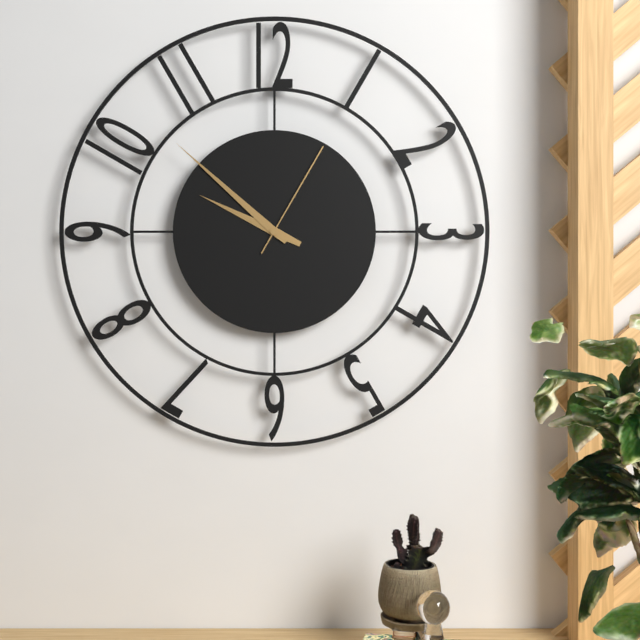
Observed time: 9:52:05
